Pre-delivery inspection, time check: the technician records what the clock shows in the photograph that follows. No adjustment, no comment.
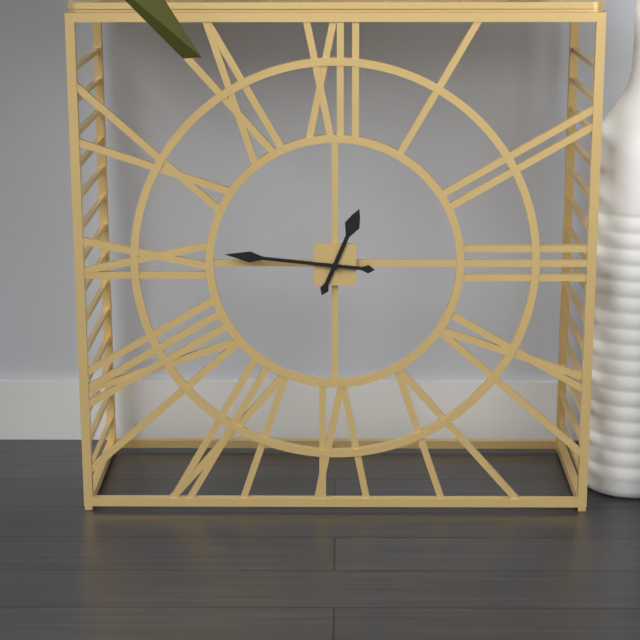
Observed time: 12:46
